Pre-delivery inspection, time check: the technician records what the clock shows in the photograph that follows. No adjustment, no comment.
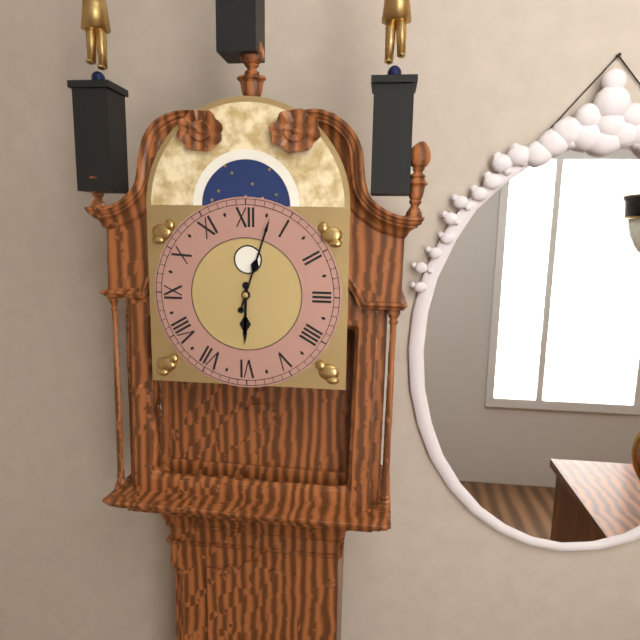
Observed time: 6:03
